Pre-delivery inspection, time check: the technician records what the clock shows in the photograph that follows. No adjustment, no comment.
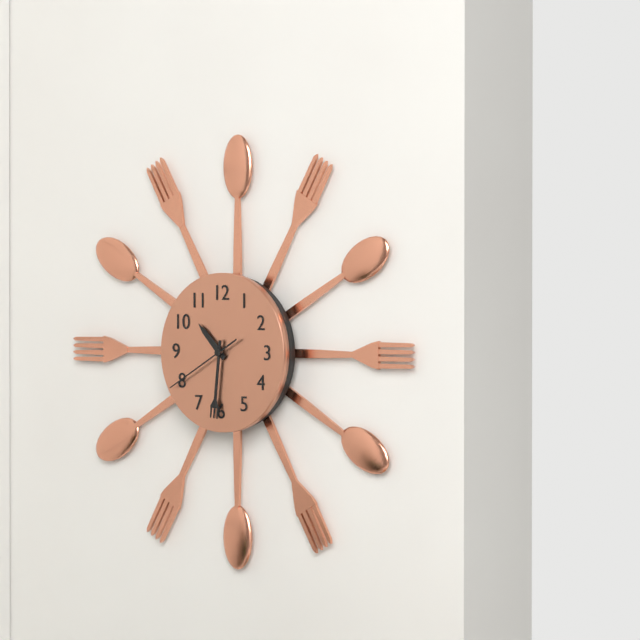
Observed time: 10:31:40
